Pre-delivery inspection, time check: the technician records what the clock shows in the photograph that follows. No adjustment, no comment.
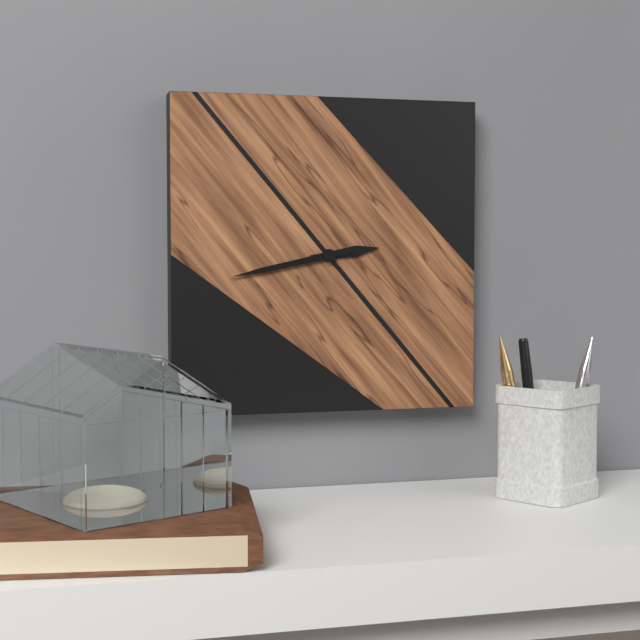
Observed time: 2:43
